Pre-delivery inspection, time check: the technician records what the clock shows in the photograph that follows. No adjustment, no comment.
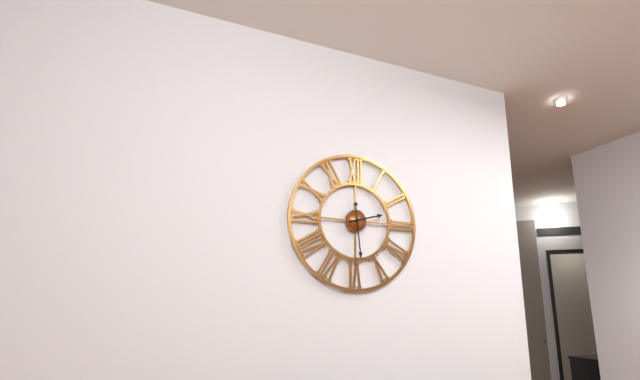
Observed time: 2:29
